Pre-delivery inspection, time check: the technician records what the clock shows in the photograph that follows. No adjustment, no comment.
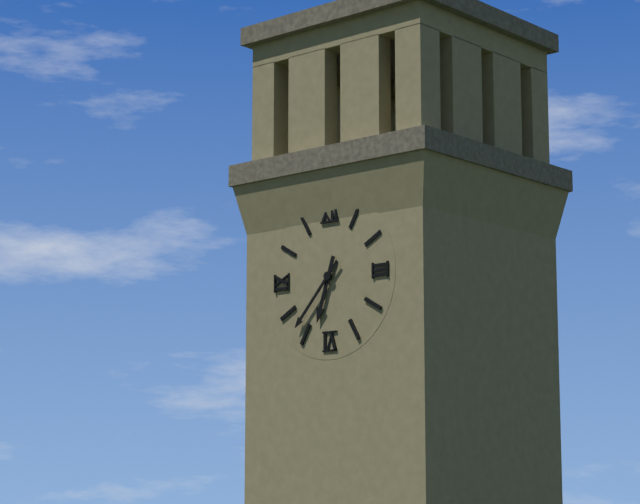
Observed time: 6:37
